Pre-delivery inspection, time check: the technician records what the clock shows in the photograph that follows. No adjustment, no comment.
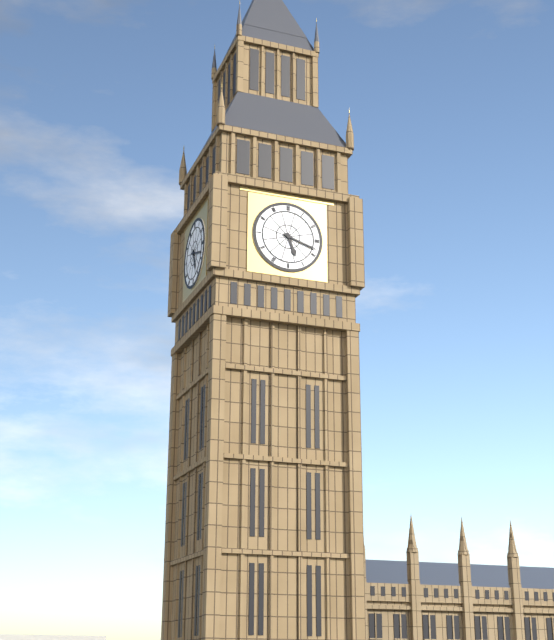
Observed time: 5:18
